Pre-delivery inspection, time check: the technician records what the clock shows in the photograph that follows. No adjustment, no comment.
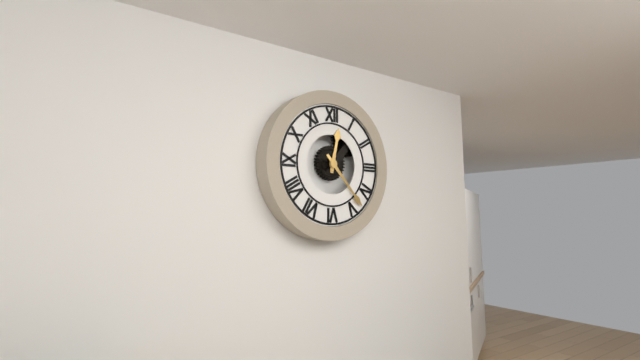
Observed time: 12:23
